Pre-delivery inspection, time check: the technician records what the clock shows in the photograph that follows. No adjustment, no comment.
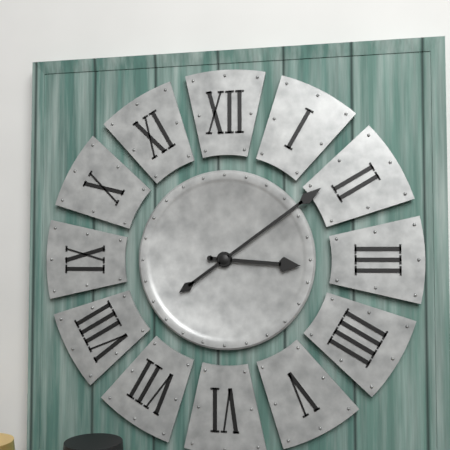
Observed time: 3:09
